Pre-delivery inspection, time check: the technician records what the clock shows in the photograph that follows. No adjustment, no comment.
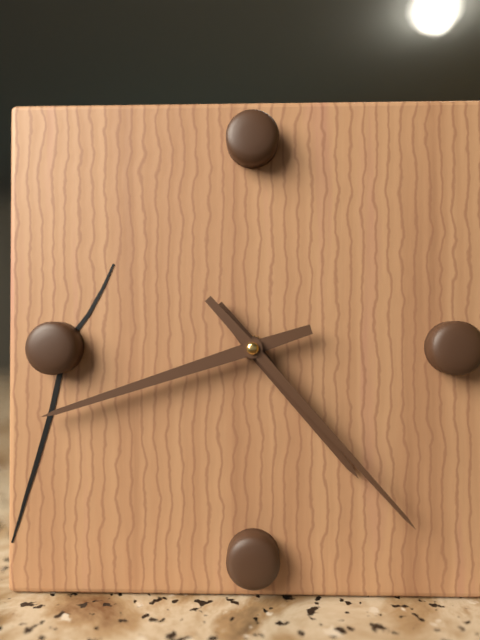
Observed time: 4:42:23
